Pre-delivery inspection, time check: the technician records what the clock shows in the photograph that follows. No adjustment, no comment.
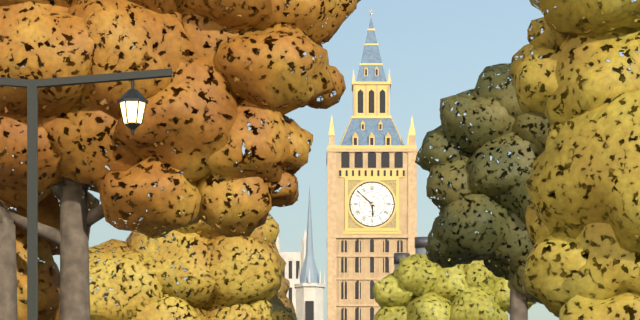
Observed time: 5:52
